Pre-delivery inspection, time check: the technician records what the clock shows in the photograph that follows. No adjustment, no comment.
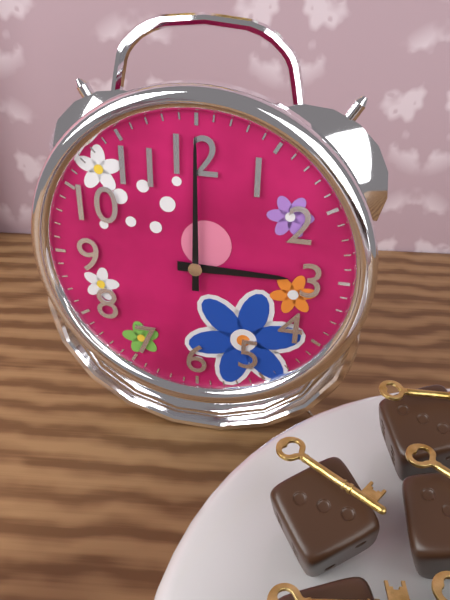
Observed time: 3:00
